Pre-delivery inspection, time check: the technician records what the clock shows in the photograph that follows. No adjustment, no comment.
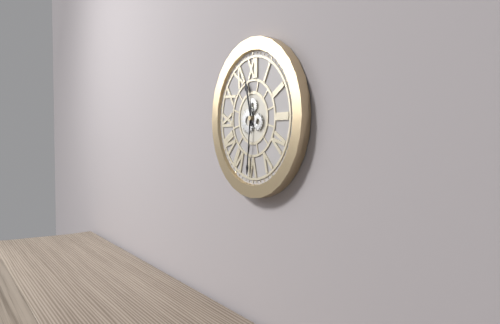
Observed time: 11:31
